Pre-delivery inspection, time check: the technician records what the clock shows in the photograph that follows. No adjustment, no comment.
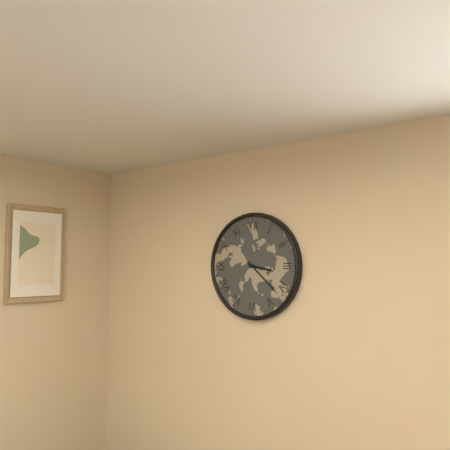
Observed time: 3:22
